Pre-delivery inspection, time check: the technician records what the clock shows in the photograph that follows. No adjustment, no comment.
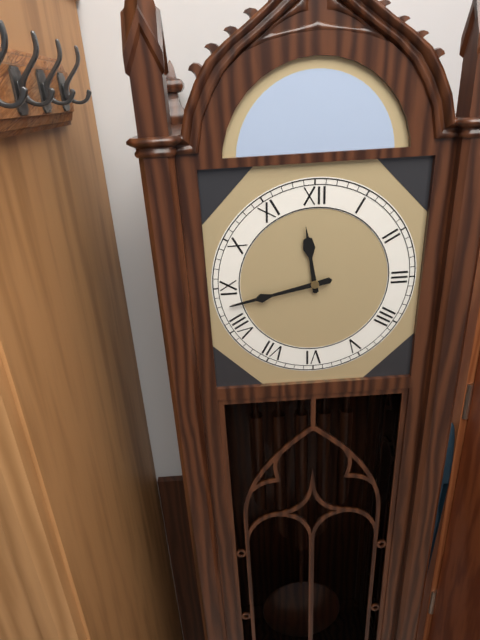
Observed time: 11:43
